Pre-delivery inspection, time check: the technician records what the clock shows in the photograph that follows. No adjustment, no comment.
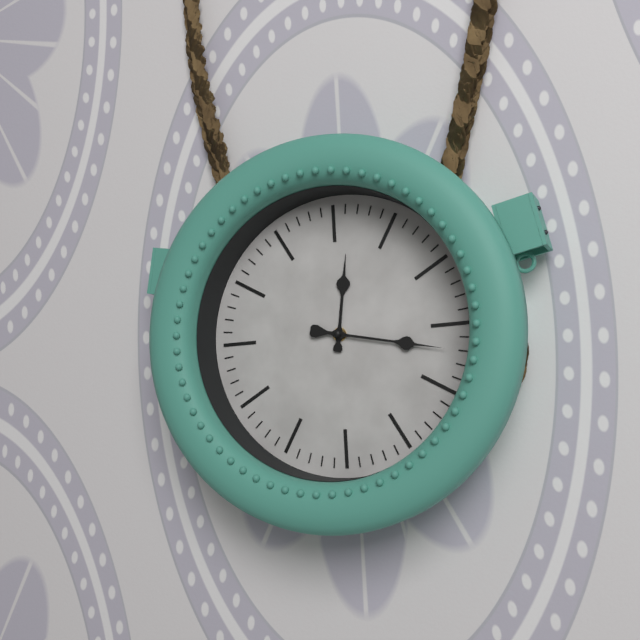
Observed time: 12:17
